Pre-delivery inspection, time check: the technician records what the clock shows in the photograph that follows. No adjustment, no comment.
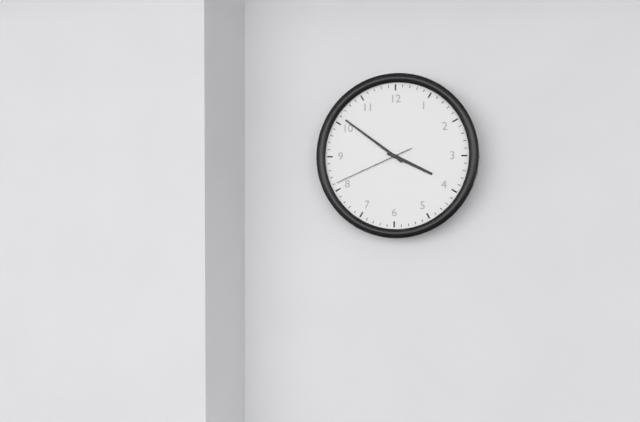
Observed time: 3:51:41
